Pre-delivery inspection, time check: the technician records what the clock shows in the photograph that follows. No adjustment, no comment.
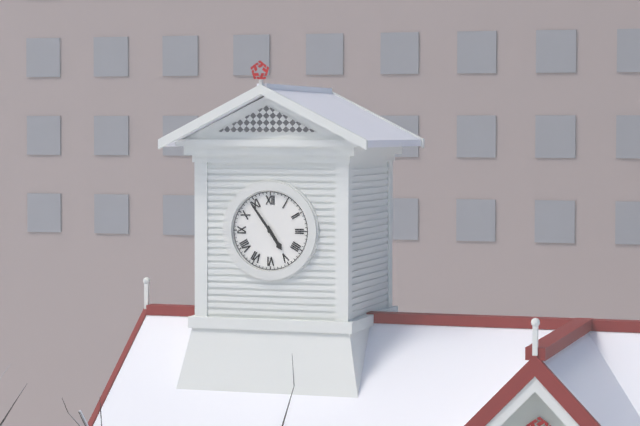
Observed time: 4:54
